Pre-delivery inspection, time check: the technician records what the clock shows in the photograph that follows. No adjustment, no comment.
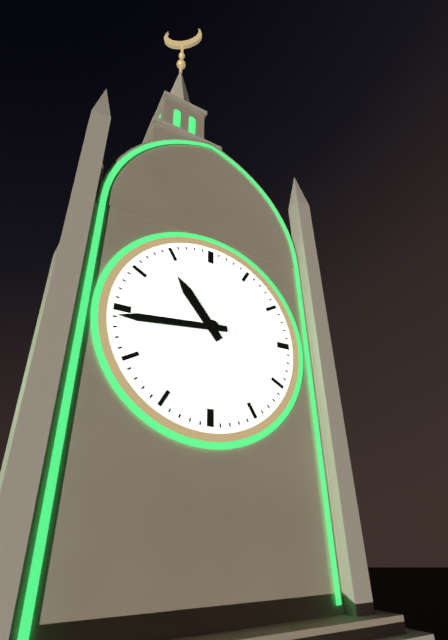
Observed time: 10:44
